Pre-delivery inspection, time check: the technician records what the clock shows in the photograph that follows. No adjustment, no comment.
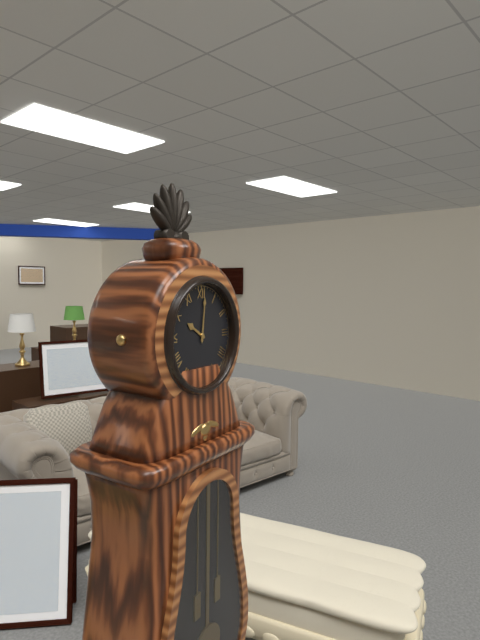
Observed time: 10:01
